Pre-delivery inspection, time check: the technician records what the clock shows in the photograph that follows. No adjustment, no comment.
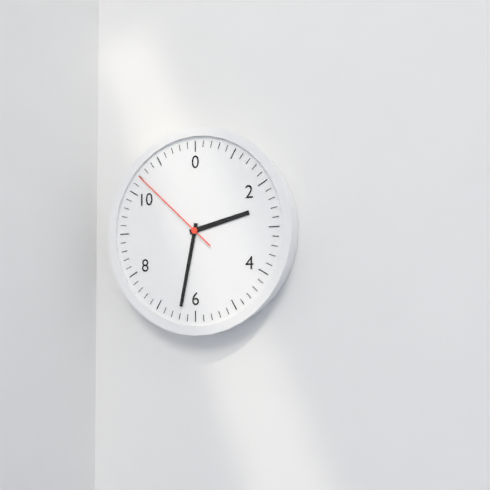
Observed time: 2:32:52
